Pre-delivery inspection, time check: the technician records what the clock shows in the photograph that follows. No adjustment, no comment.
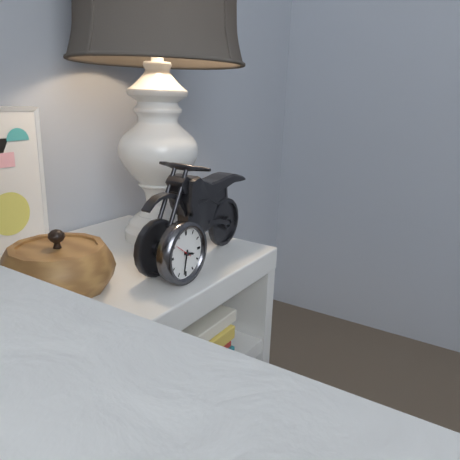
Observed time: 3:32
